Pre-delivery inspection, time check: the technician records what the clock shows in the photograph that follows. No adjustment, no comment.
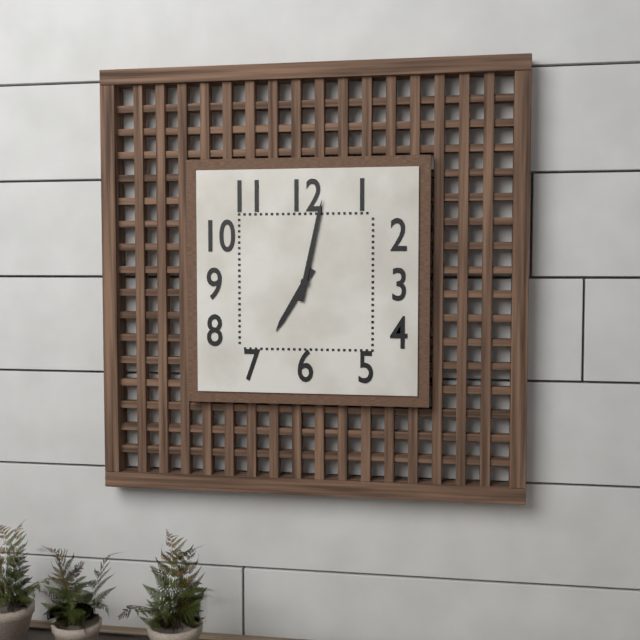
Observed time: 7:02
